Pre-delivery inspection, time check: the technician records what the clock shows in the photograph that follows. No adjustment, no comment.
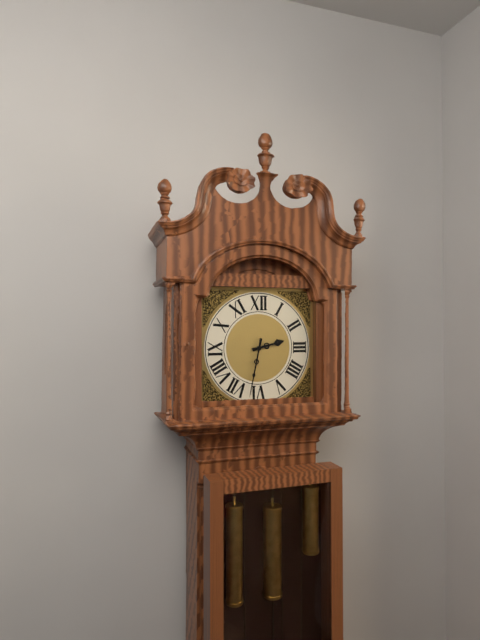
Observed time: 2:32
